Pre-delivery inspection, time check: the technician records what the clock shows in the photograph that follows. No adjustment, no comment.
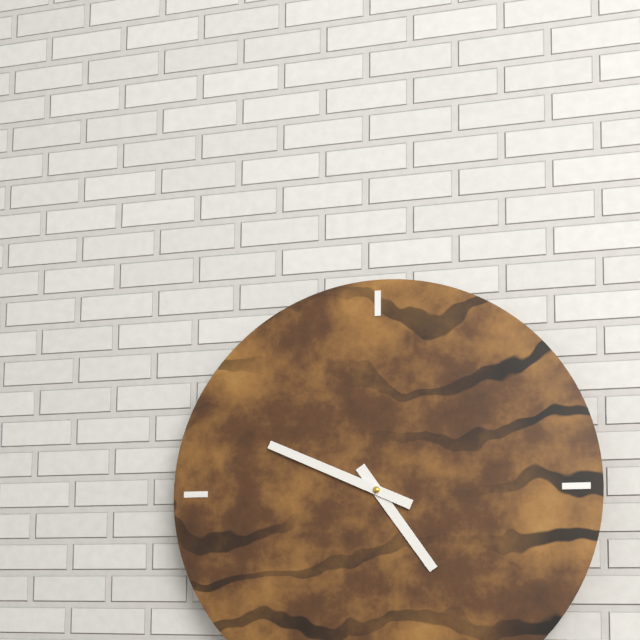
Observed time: 4:49
